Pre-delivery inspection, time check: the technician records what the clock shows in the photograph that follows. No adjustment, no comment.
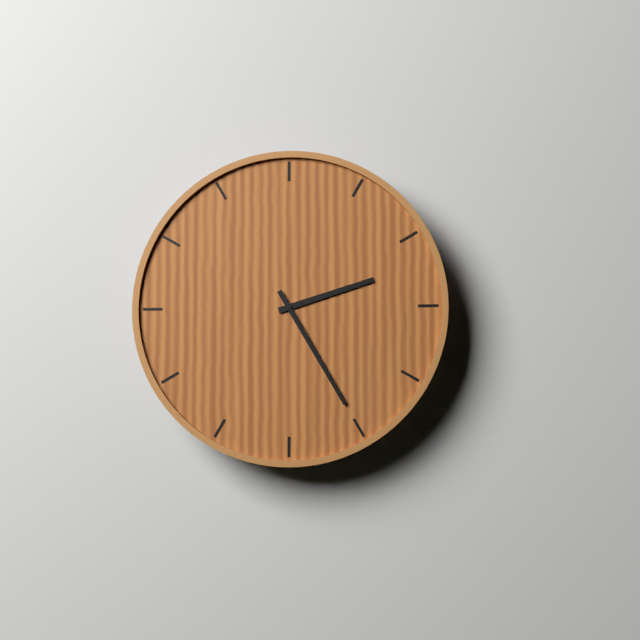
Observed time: 2:25
